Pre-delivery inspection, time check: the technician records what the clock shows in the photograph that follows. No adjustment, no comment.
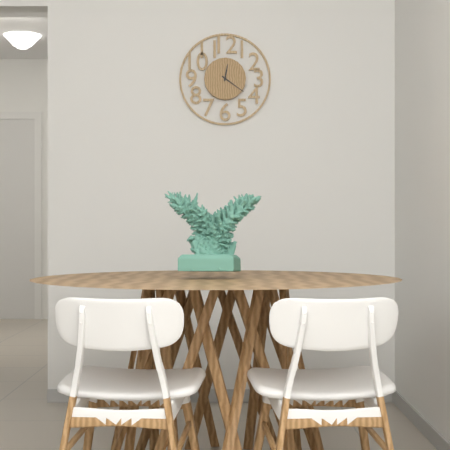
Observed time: 12:21
